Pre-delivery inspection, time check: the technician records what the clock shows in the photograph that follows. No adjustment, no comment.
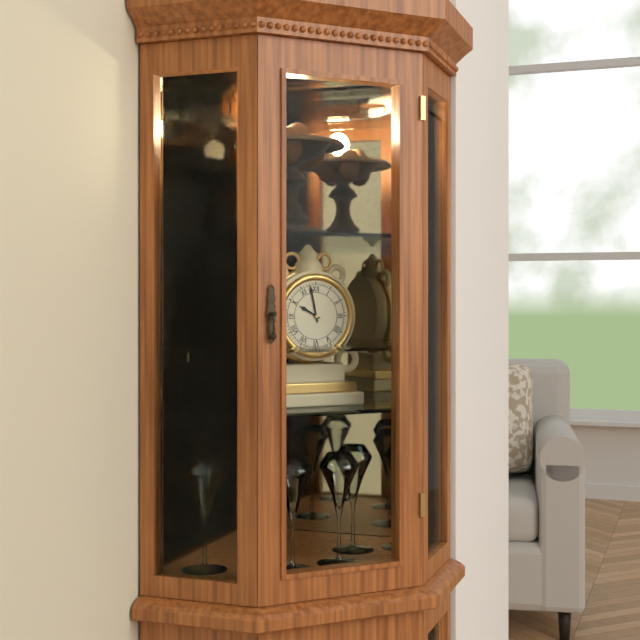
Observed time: 9:58
